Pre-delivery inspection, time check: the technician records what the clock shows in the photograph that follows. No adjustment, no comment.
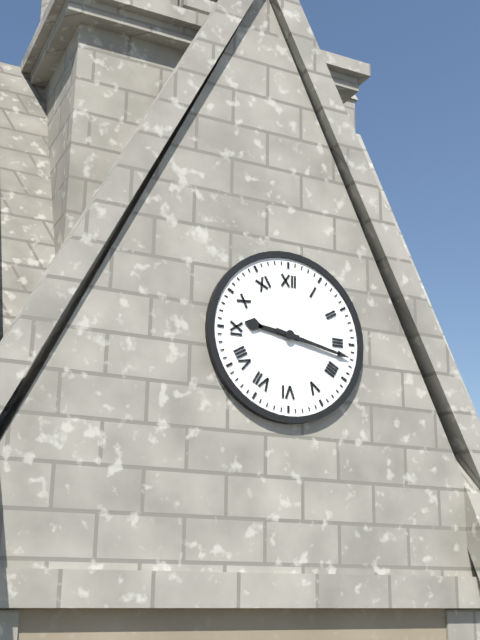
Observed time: 9:17
